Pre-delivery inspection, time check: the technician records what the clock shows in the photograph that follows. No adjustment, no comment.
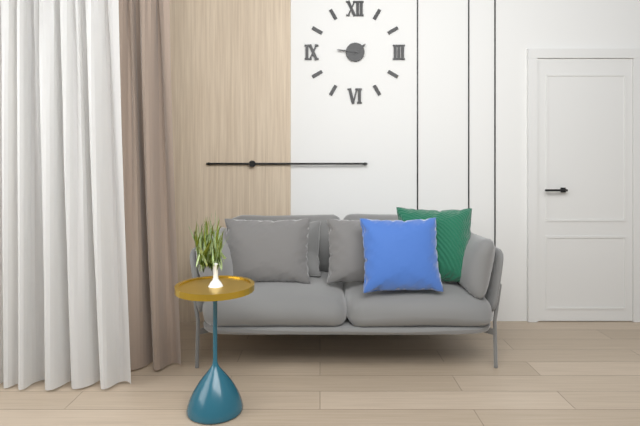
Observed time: 1:46
